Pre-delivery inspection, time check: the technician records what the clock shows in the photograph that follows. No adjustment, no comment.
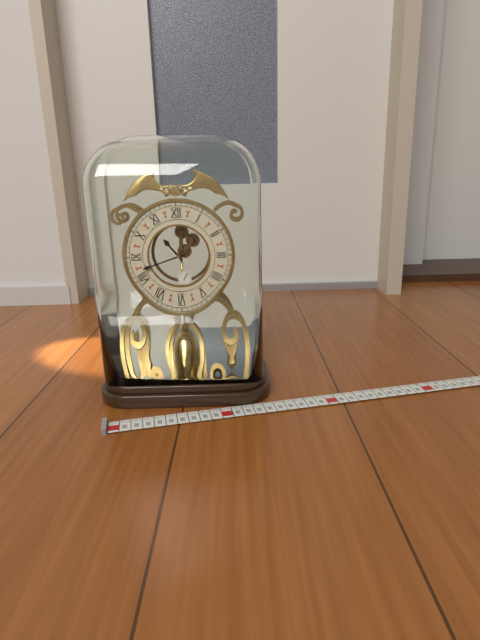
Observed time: 10:42
